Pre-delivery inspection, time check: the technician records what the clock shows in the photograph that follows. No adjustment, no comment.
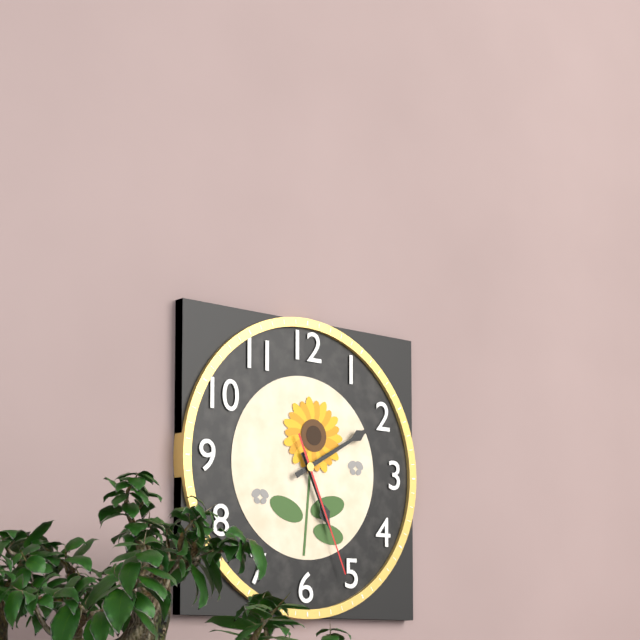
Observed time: 5:10:26
